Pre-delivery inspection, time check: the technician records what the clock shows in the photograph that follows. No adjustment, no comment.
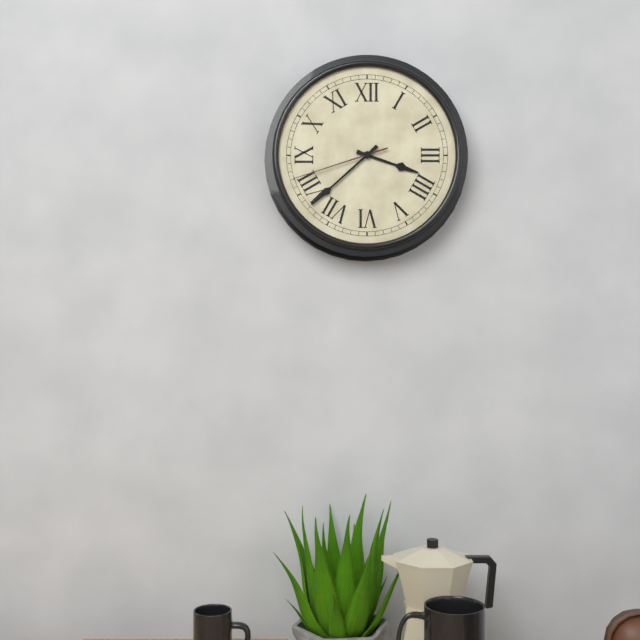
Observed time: 3:38:42
